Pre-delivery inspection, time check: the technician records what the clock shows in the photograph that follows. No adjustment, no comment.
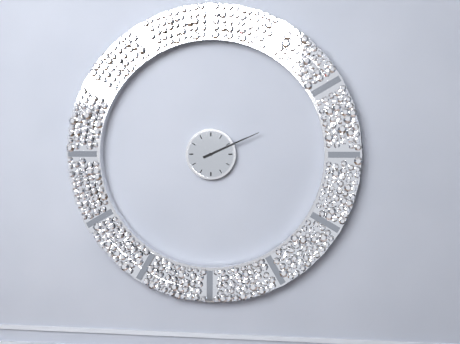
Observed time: 2:11
